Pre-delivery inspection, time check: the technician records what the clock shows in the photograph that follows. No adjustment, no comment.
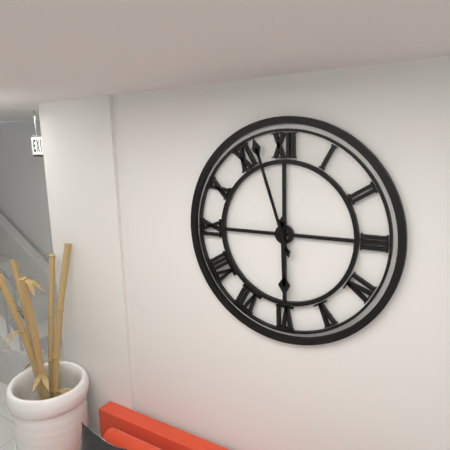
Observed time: 5:57
